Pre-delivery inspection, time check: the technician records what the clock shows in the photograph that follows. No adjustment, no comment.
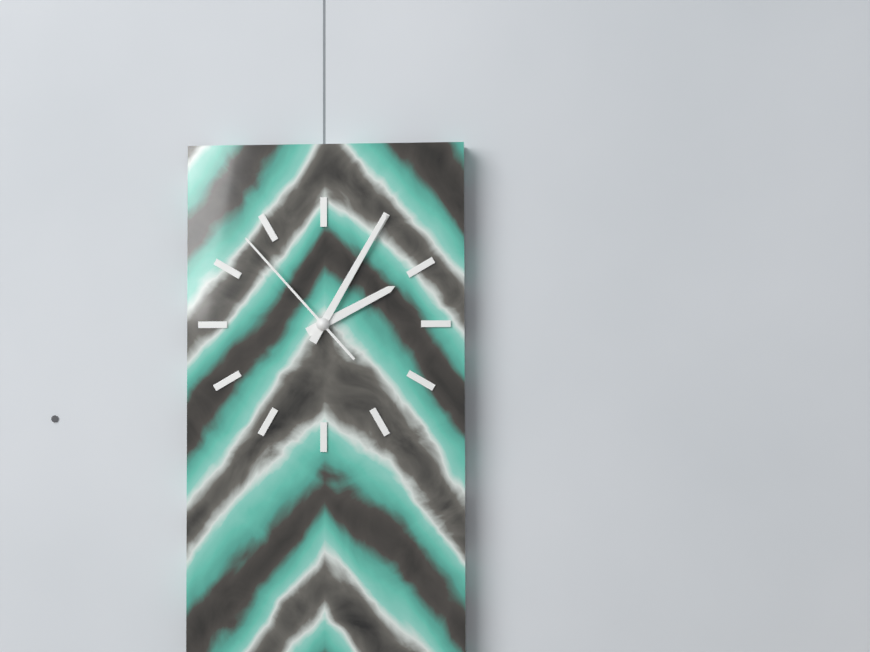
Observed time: 2:05:53
